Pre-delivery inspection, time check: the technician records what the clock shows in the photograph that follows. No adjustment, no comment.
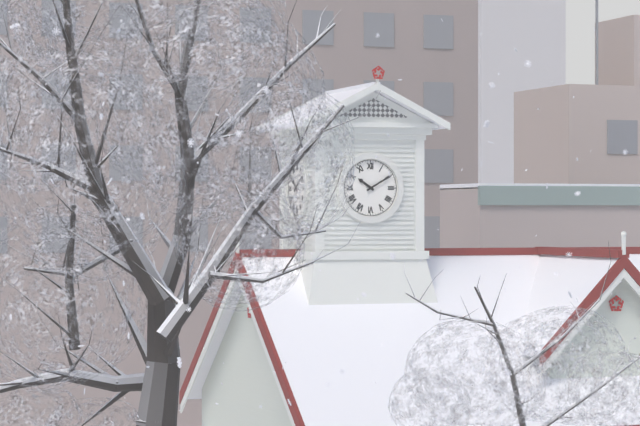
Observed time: 10:10
